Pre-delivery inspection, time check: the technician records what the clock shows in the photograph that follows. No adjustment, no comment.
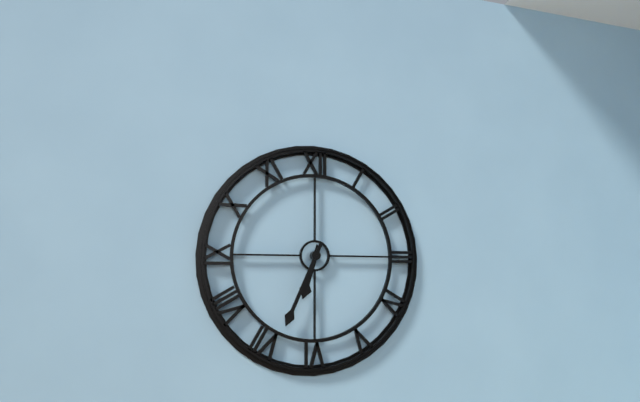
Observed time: 6:34
